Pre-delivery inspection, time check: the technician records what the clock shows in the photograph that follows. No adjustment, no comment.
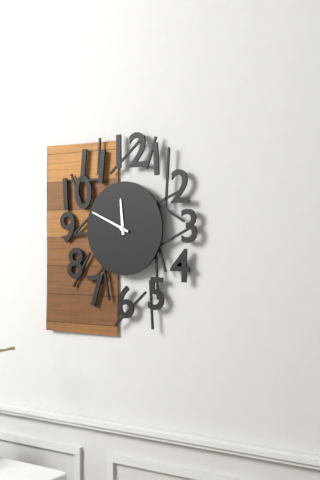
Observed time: 11:49
